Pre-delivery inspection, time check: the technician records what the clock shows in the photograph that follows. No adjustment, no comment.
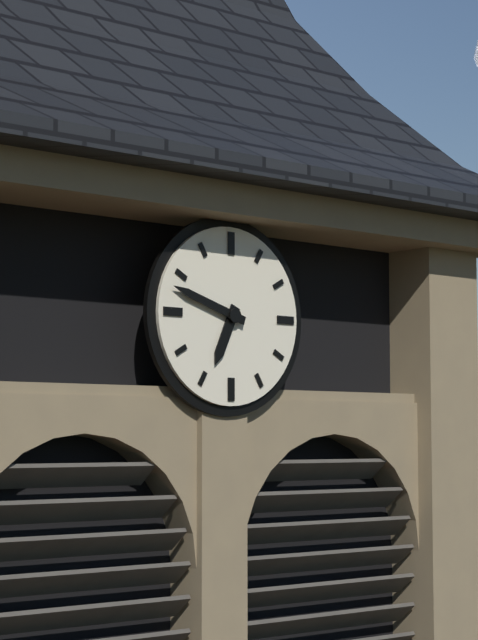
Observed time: 6:48
